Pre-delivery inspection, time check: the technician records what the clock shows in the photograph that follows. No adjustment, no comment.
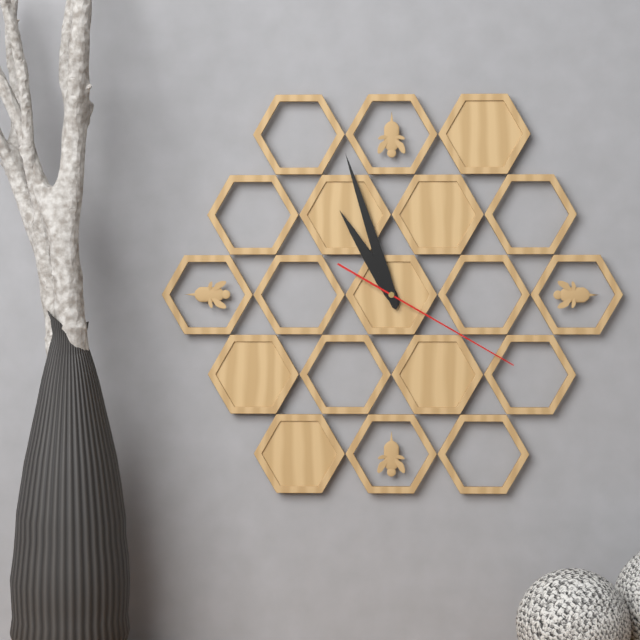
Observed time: 10:57:20
